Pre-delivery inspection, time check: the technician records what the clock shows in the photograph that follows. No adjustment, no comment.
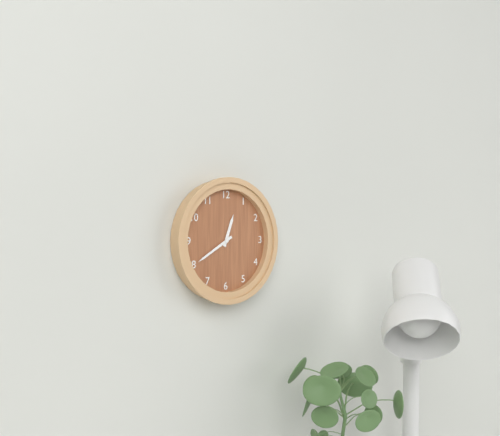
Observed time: 12:40
